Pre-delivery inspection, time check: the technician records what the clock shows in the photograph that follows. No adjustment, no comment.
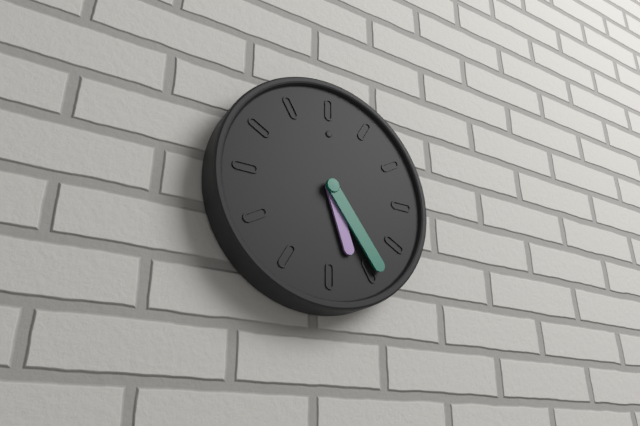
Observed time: 5:24
